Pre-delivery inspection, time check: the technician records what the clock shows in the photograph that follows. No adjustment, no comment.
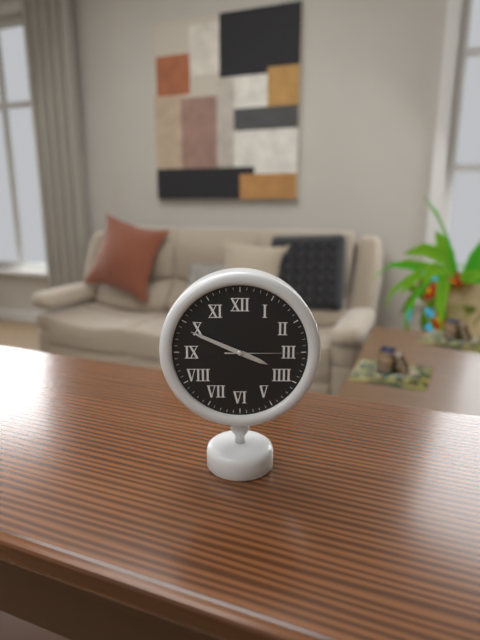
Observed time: 3:49:15
